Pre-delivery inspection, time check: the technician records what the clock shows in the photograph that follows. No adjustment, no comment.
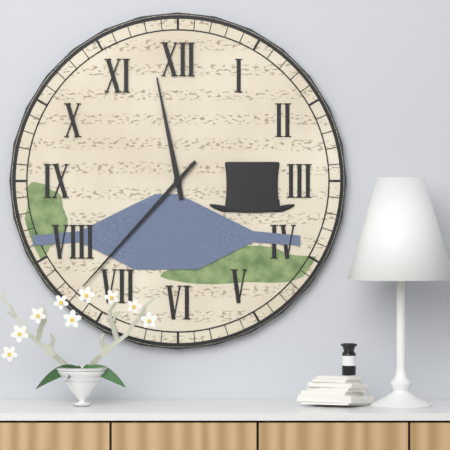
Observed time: 11:37
